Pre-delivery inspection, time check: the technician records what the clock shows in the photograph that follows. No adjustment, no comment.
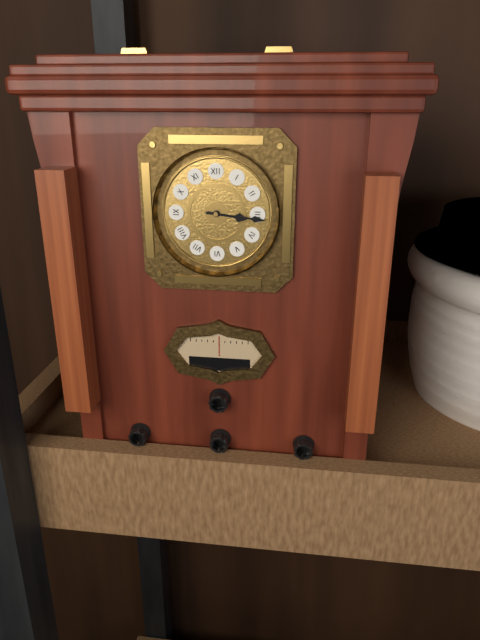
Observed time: 3:16
